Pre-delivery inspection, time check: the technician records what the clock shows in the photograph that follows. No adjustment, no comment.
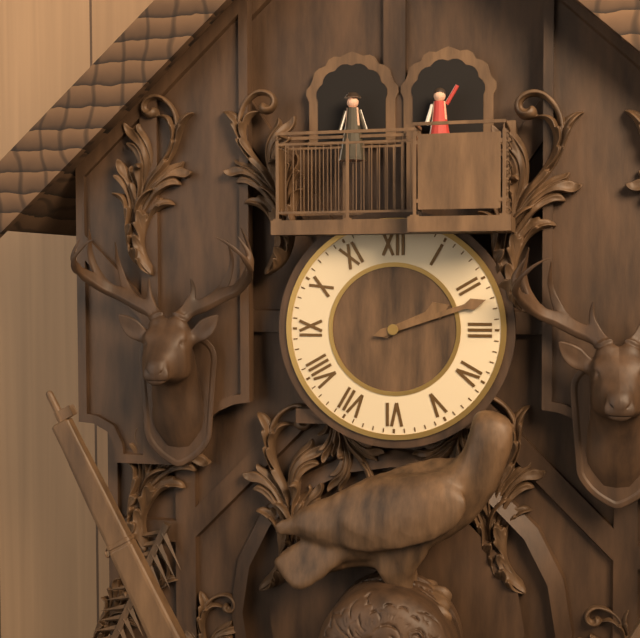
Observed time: 2:12
